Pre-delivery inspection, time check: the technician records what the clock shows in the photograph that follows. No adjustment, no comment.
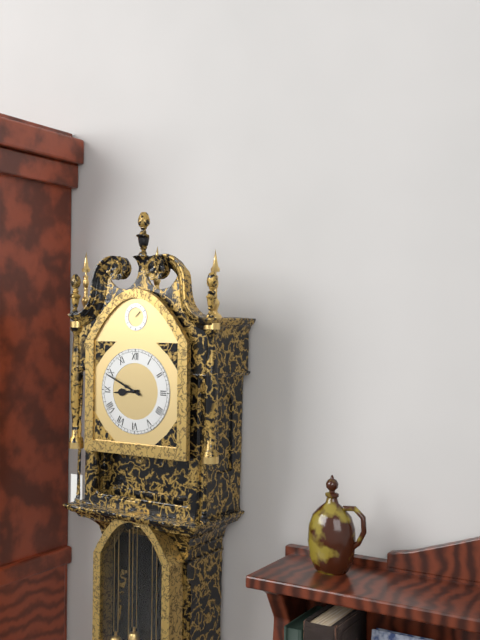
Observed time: 8:49
